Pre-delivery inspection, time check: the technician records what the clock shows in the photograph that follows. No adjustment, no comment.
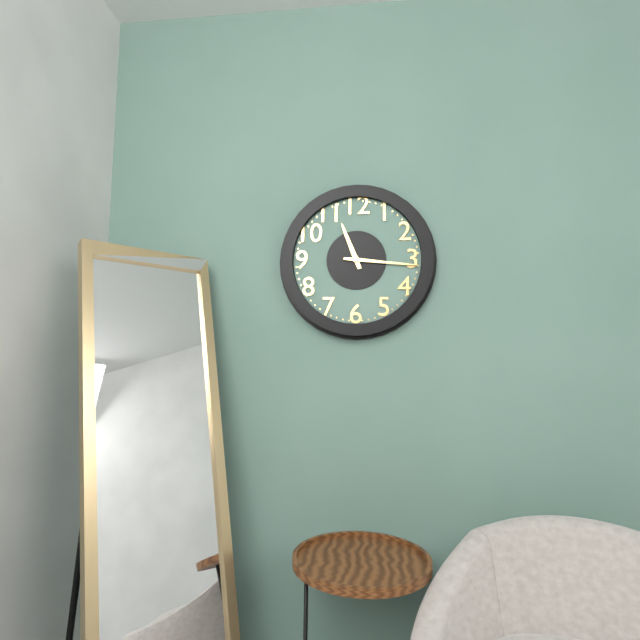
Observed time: 11:16
